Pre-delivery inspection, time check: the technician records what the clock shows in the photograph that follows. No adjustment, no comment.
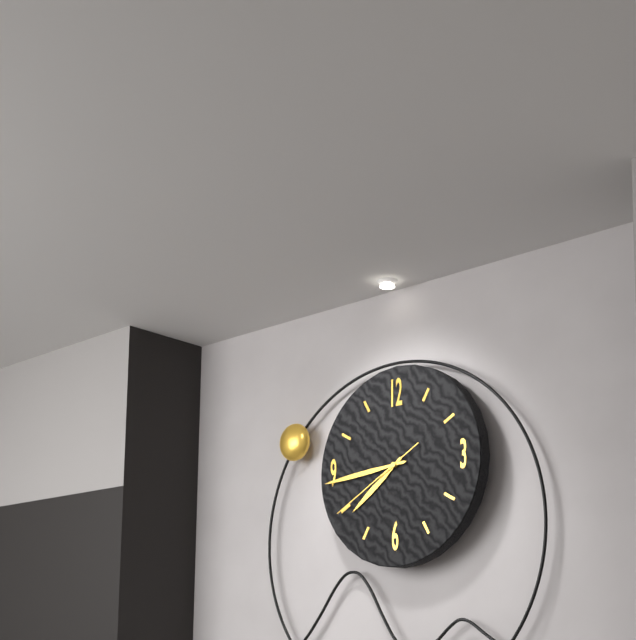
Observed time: 7:44:40
